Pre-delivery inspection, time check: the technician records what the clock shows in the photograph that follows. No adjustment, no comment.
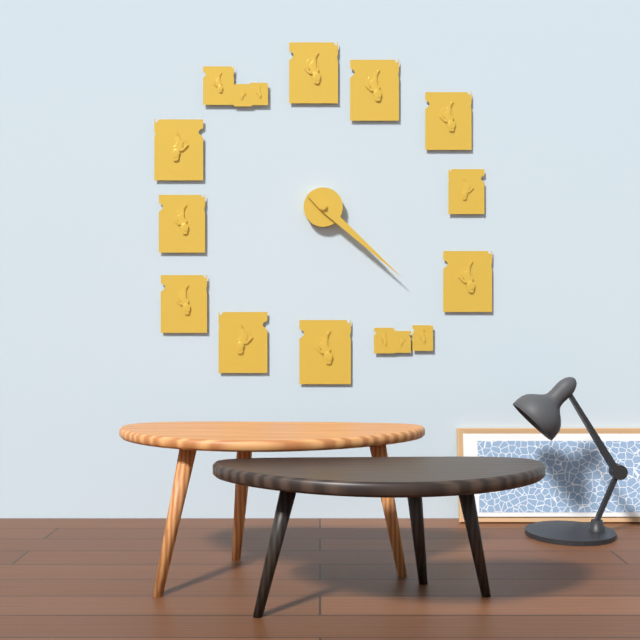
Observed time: 4:22
